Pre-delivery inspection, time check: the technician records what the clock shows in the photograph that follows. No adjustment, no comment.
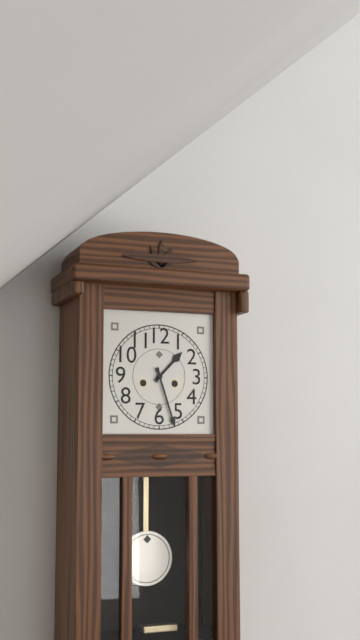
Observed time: 1:27
